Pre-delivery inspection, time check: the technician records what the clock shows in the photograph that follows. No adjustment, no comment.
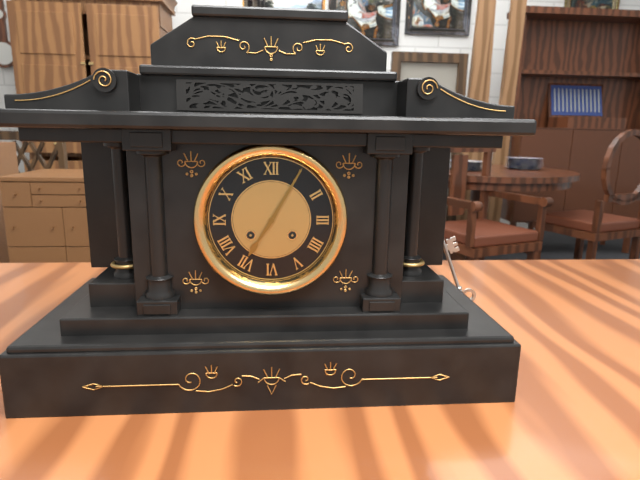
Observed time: 7:05
